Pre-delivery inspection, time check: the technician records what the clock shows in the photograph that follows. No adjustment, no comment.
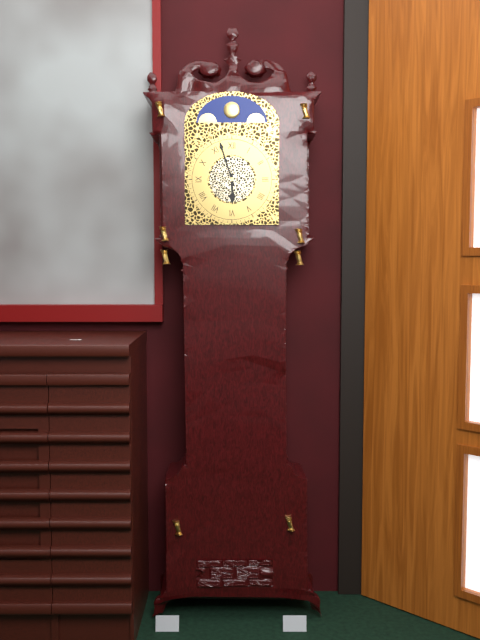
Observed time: 5:57
